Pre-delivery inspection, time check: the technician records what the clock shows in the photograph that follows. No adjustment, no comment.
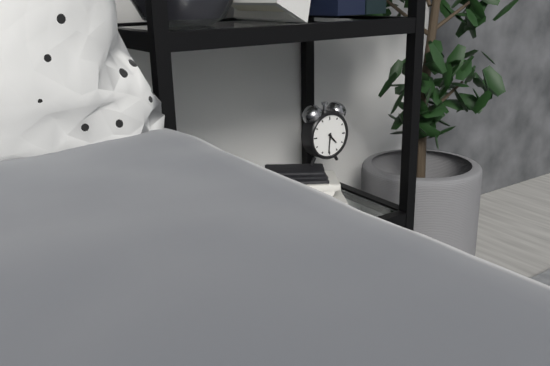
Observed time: 4:31
